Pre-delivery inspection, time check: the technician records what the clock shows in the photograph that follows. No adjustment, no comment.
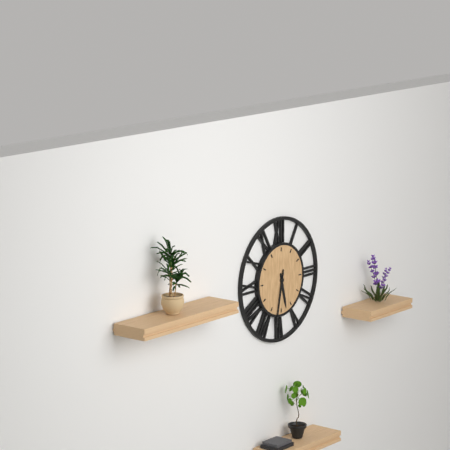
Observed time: 5:32
